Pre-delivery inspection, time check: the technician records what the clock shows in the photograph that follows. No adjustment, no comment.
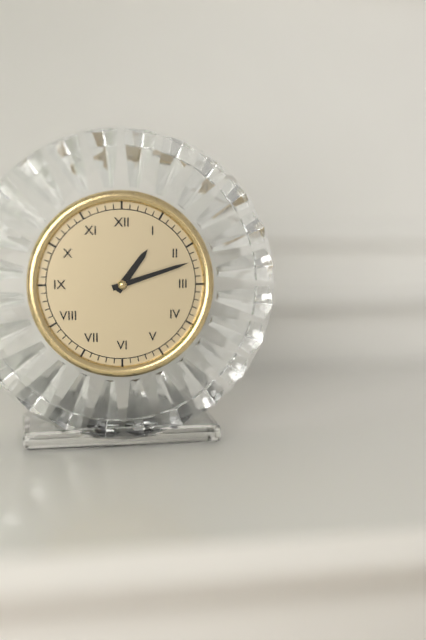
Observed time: 1:12
